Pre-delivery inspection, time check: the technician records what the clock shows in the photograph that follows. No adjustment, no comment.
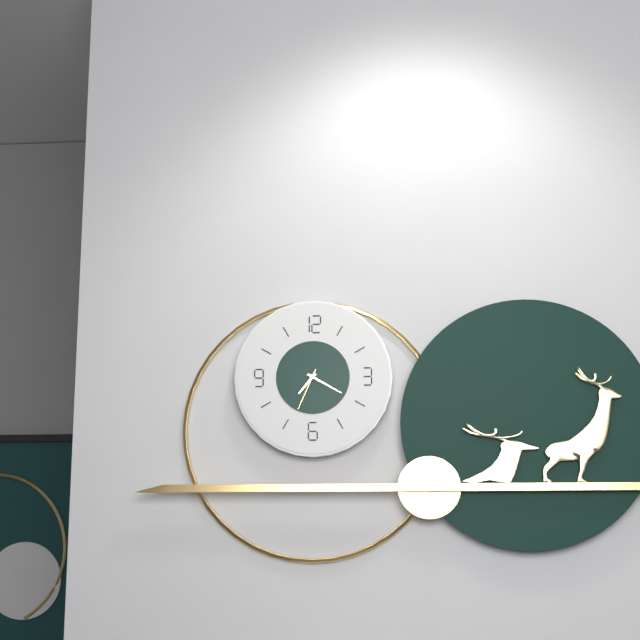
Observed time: 7:20
